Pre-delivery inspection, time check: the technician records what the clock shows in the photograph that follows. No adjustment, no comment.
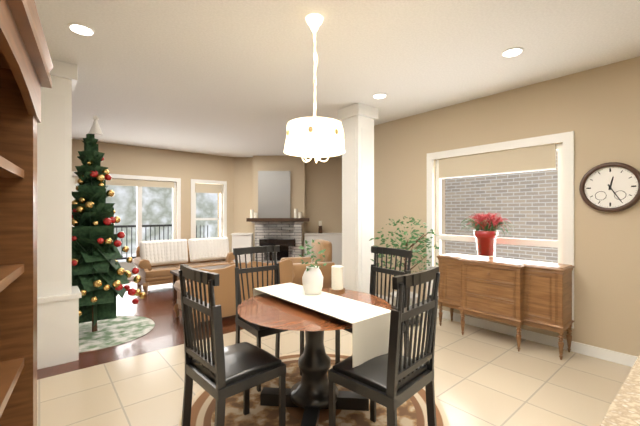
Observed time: 12:25
